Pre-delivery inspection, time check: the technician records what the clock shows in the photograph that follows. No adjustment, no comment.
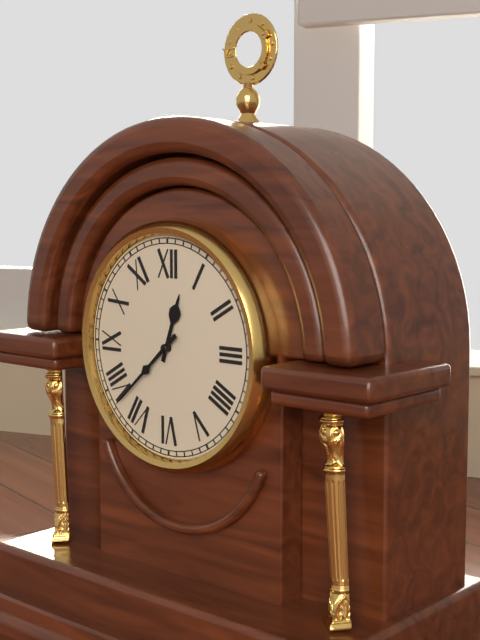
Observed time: 12:38
